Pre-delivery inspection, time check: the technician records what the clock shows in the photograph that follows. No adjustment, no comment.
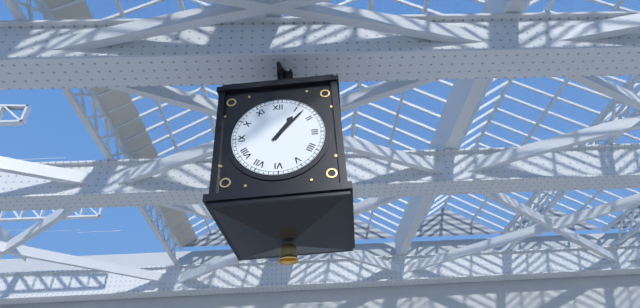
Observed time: 1:07
